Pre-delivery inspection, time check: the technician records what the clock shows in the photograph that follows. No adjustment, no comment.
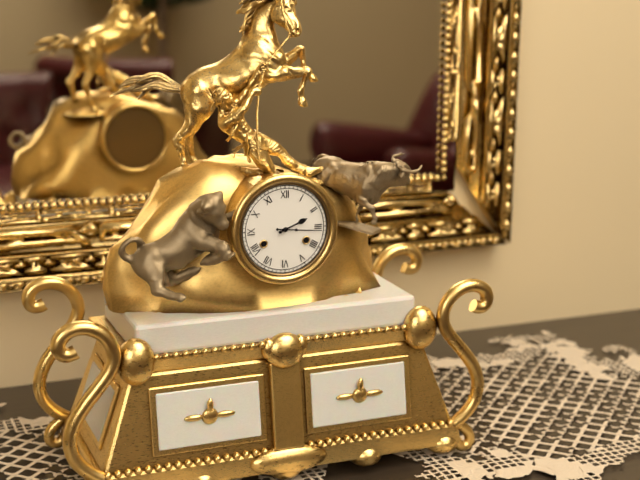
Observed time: 2:16
